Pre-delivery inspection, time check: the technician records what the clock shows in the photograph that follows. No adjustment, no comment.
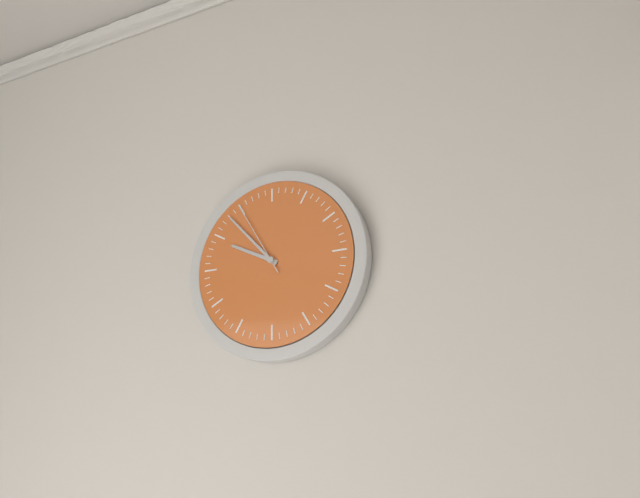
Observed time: 9:53:55
